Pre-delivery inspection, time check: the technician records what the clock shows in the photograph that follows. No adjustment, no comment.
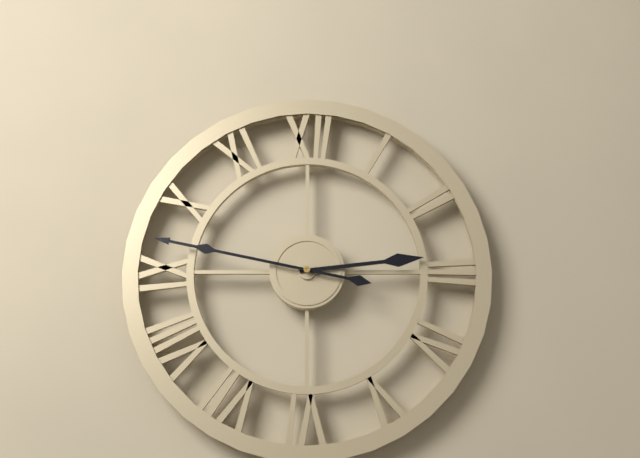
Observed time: 2:47
